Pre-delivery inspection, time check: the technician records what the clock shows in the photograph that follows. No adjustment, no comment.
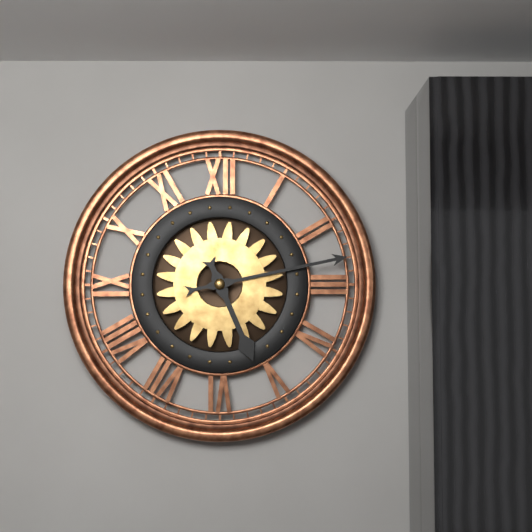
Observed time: 5:13
